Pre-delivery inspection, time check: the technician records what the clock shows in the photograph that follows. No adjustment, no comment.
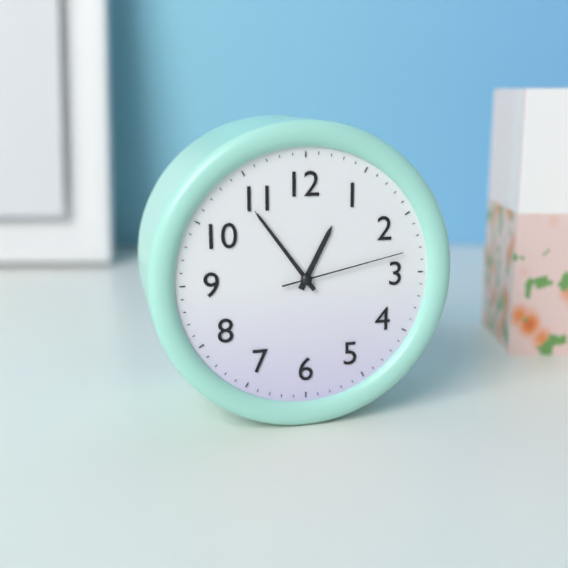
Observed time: 12:54:13
